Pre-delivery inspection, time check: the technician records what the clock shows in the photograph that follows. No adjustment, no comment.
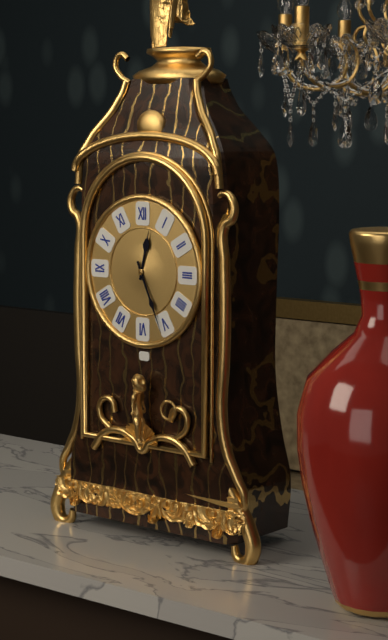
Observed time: 12:26
